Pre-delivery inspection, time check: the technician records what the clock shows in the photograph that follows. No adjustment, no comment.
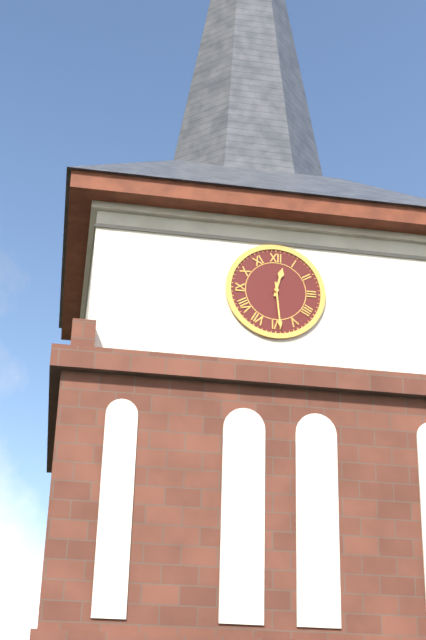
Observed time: 12:29
